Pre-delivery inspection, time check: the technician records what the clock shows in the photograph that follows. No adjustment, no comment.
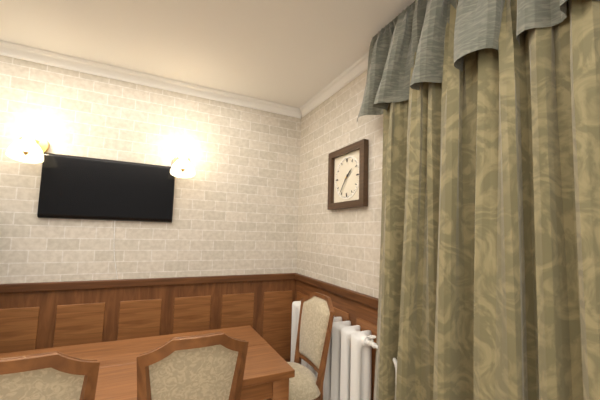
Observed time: 1:36
